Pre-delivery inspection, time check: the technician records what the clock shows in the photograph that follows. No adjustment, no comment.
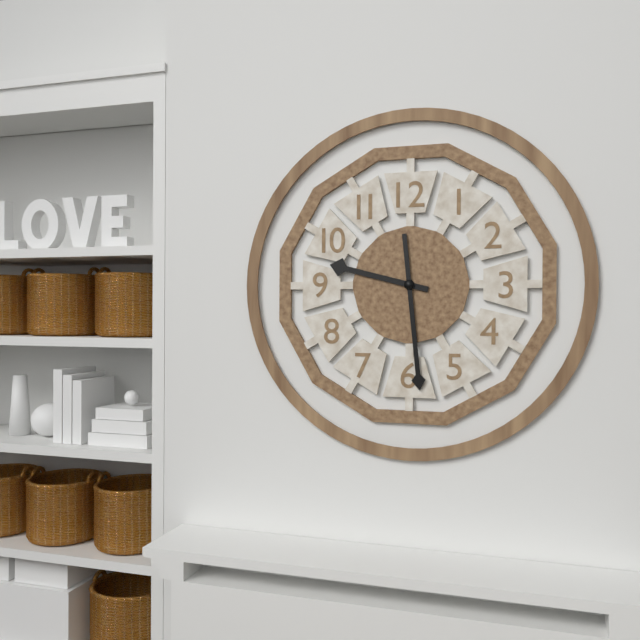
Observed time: 9:29
